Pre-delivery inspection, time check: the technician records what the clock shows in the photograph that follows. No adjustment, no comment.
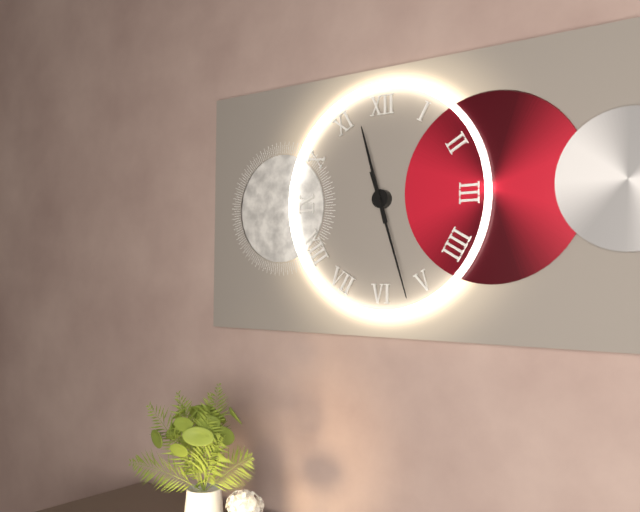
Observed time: 11:27
